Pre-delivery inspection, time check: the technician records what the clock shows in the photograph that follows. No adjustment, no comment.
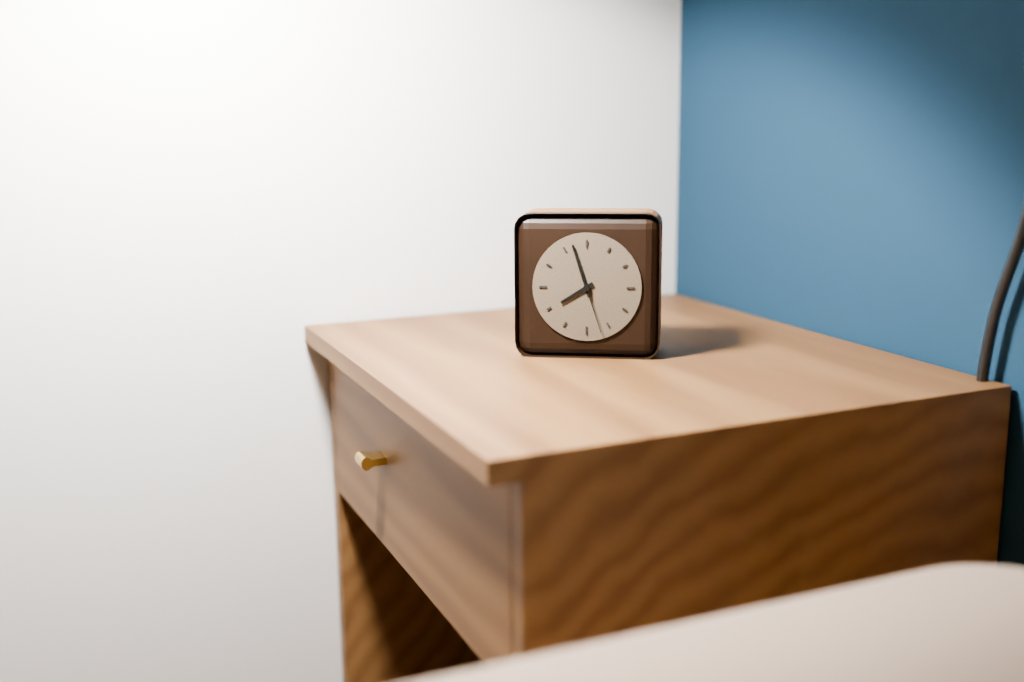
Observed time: 7:57:27
